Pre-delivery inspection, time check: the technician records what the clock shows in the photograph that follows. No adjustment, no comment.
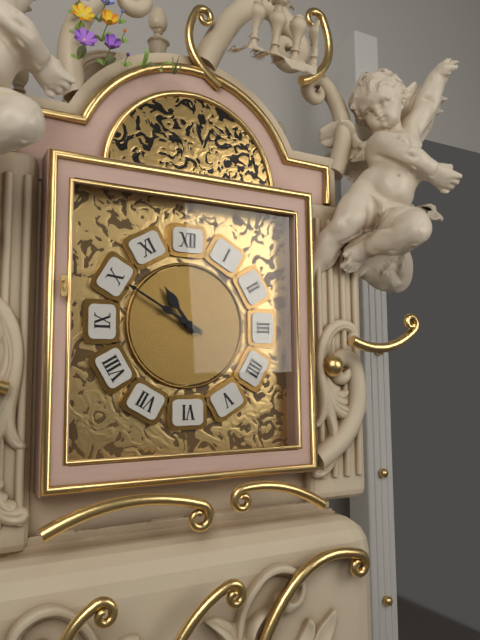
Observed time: 10:50
